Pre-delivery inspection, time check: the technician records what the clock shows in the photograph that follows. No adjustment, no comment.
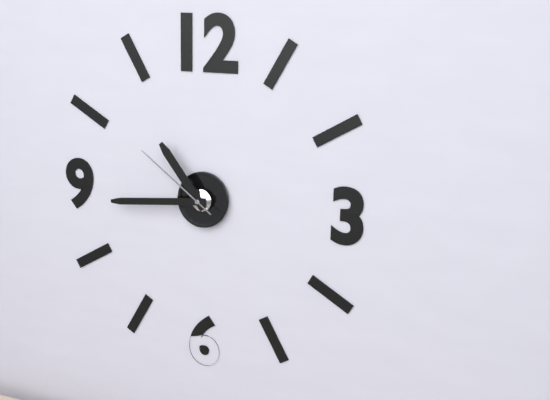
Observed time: 10:44:51
